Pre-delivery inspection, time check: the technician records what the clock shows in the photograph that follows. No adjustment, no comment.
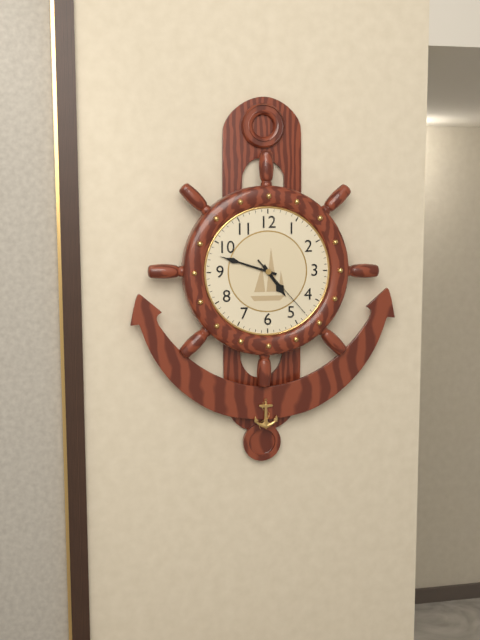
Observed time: 4:48:23
